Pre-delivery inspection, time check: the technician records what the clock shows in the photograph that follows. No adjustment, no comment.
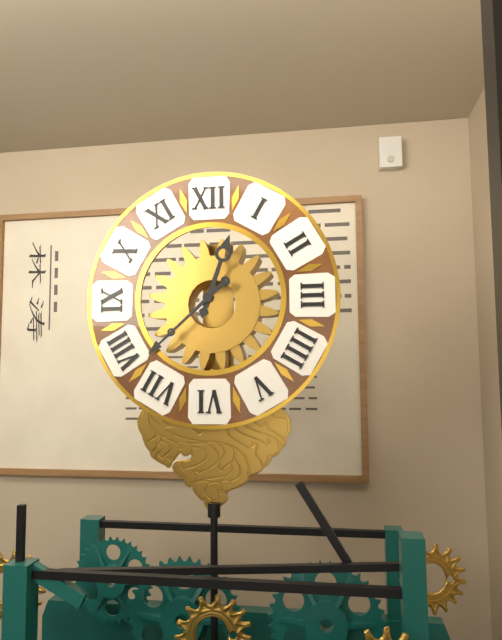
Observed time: 12:38
